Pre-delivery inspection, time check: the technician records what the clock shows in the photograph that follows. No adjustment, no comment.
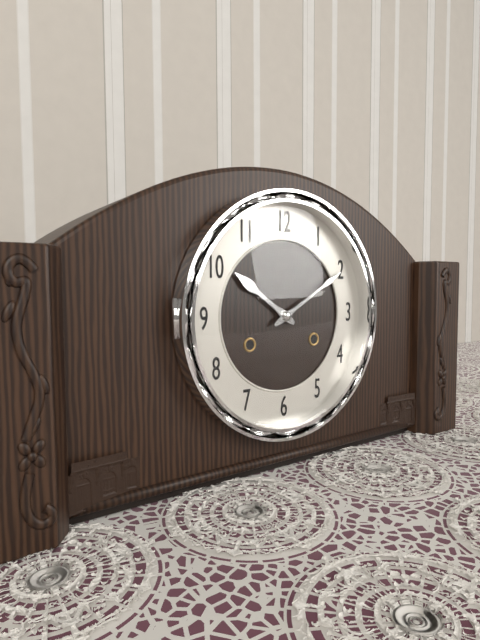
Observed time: 10:10
